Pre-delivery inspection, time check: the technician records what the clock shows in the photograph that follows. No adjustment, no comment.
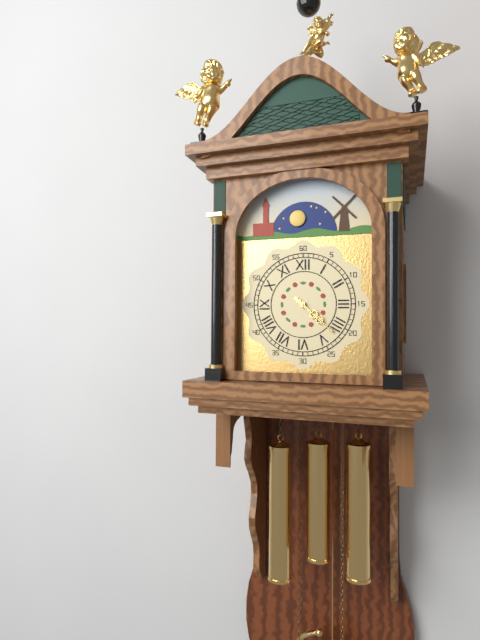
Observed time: 4:22
